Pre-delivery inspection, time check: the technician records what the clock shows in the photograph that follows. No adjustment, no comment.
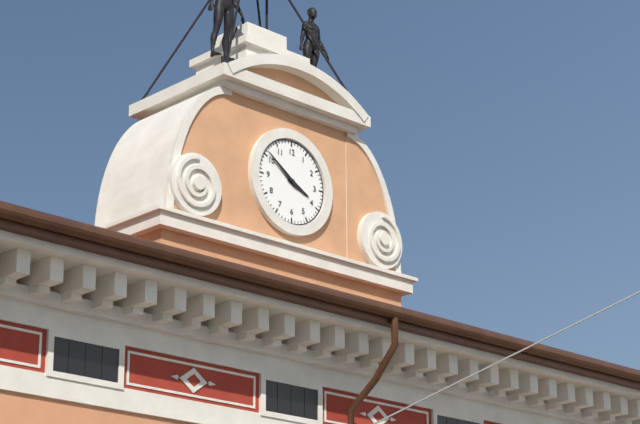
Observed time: 3:51
